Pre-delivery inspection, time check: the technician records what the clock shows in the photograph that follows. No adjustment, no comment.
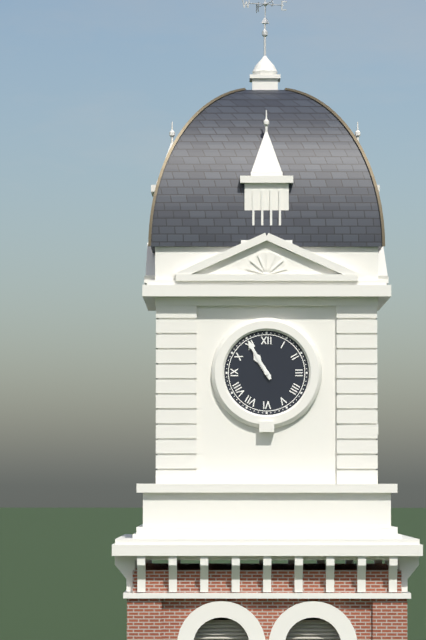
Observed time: 10:55
